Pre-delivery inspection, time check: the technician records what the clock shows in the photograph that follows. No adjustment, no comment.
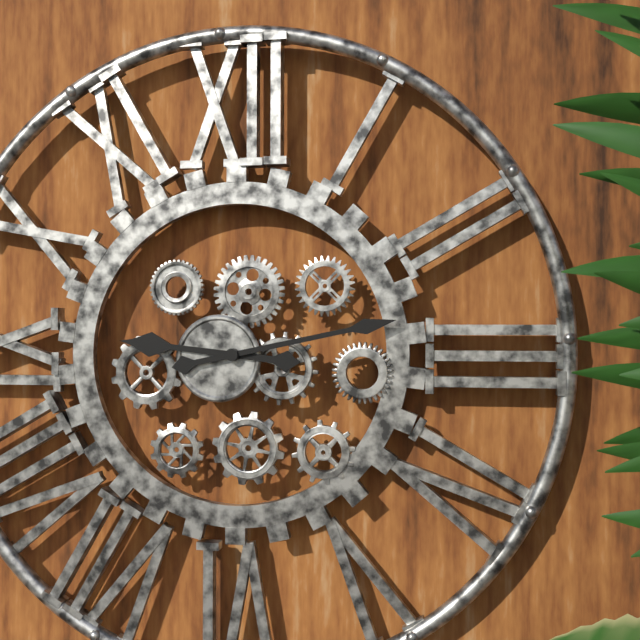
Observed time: 9:13
